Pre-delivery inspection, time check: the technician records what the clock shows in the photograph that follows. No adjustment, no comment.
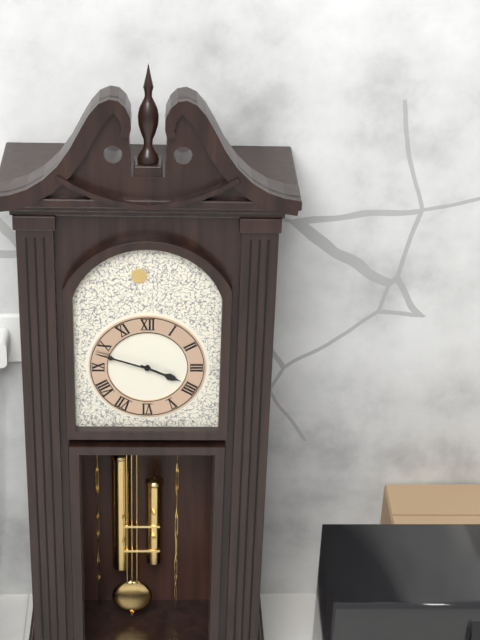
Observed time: 3:48
